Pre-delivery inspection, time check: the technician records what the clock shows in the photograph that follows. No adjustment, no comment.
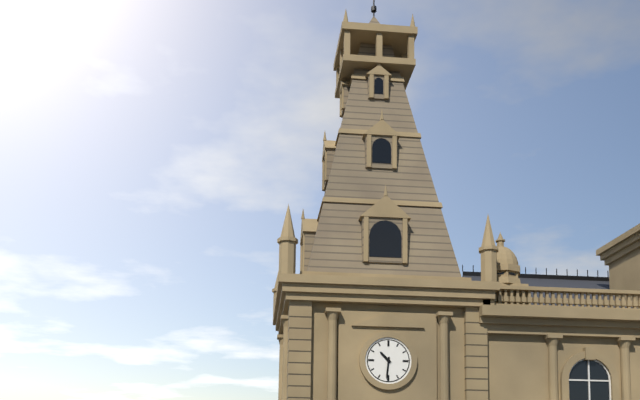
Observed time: 10:31
